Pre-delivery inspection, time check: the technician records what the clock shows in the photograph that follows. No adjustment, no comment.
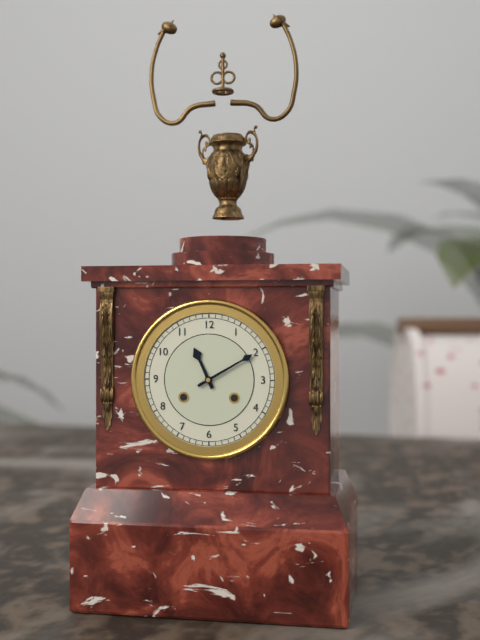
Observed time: 11:10
